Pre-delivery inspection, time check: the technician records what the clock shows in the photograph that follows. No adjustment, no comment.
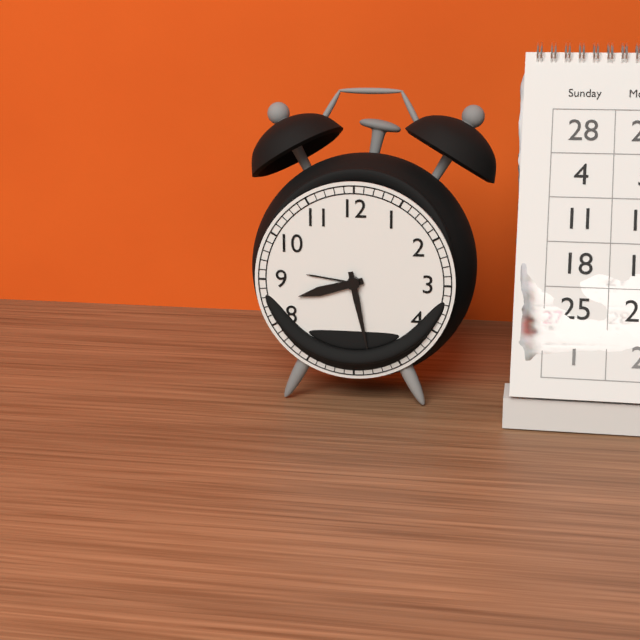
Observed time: 8:28
